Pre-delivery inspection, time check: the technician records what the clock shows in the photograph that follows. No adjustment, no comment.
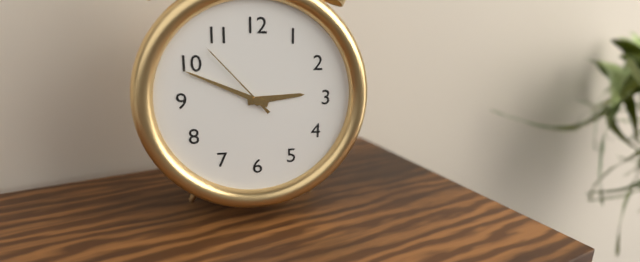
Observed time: 2:49:53
